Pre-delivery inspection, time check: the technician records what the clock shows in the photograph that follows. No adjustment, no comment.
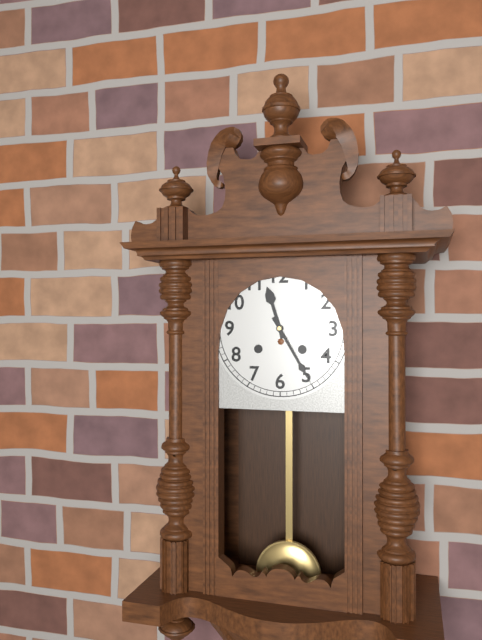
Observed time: 11:25
